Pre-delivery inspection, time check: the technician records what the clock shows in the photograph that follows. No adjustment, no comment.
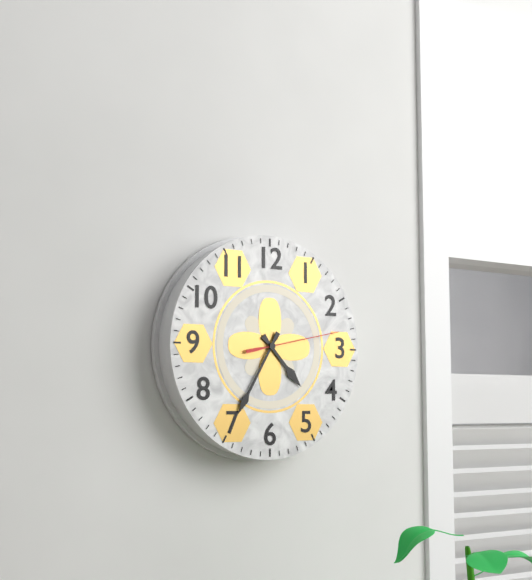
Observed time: 4:35:13
